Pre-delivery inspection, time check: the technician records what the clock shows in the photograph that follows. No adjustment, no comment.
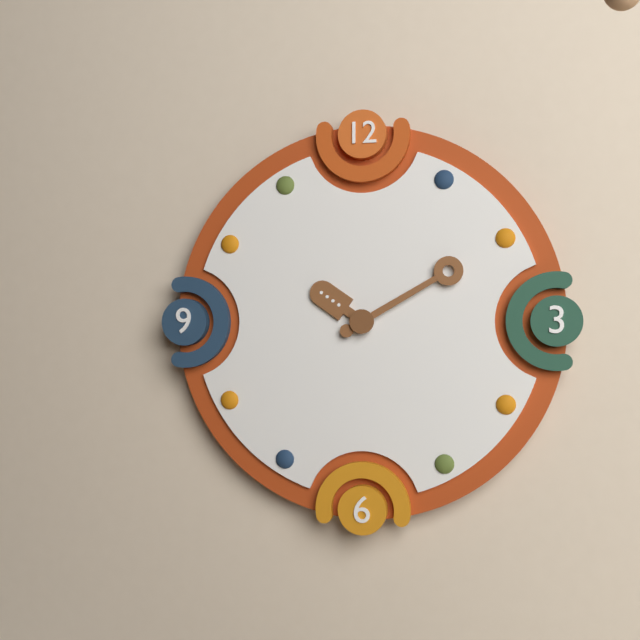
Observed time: 10:10
